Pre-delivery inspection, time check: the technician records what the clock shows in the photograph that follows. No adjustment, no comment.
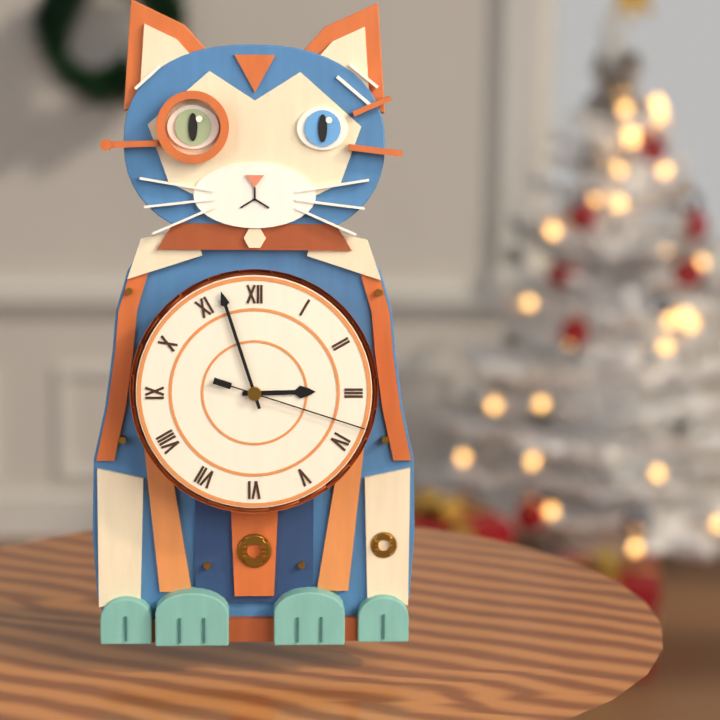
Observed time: 2:57:18
